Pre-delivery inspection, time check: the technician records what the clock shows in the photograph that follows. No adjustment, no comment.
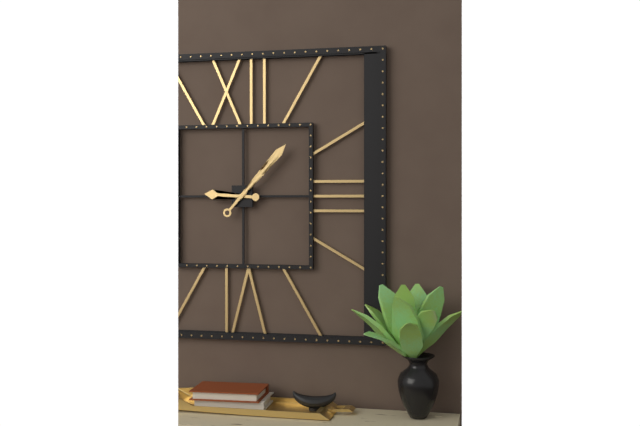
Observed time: 9:07
